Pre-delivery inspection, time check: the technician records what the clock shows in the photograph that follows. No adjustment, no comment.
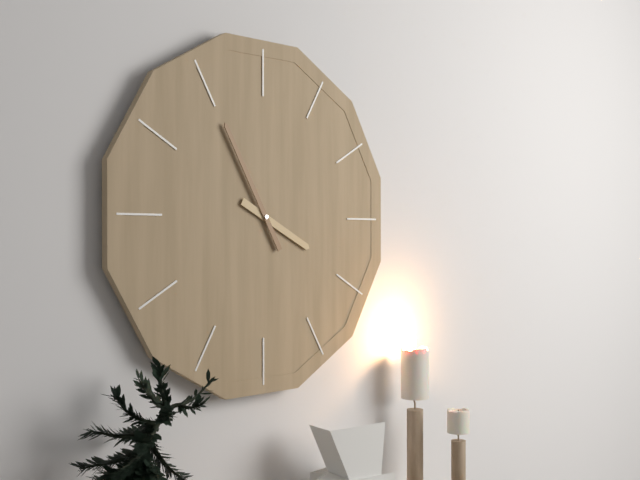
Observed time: 3:55
